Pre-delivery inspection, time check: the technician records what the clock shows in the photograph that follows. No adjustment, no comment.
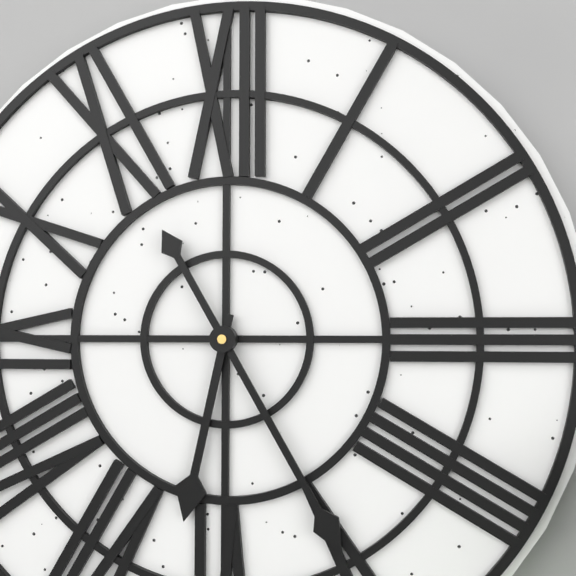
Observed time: 6:25
